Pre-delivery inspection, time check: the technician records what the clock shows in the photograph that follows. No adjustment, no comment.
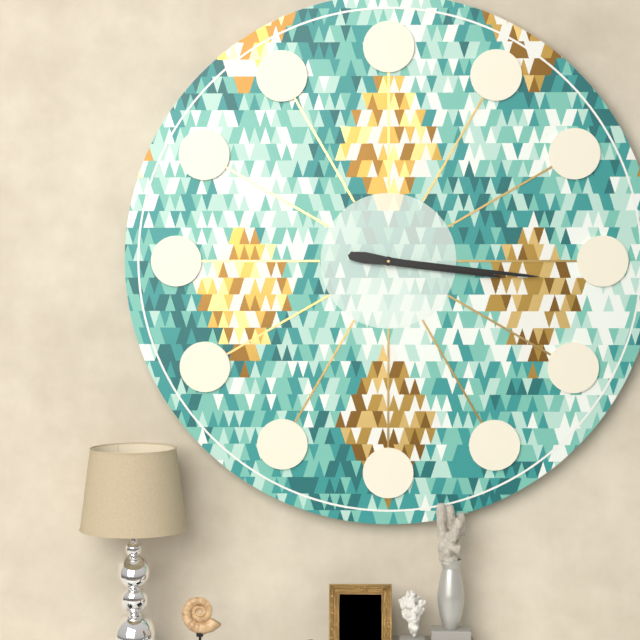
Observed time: 3:16
